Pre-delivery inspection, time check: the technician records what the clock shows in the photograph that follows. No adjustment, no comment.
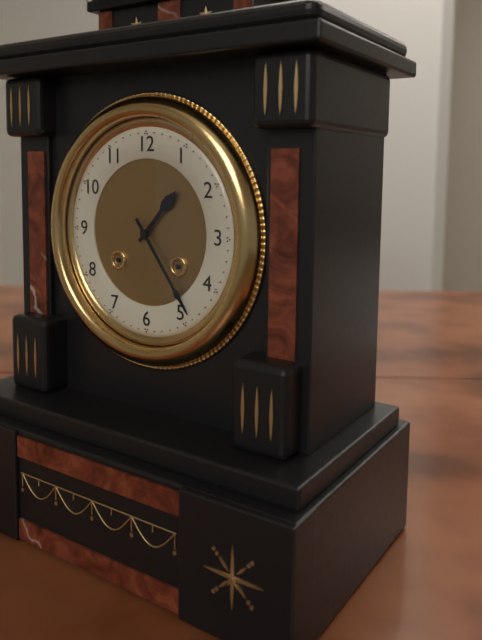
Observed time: 1:24
